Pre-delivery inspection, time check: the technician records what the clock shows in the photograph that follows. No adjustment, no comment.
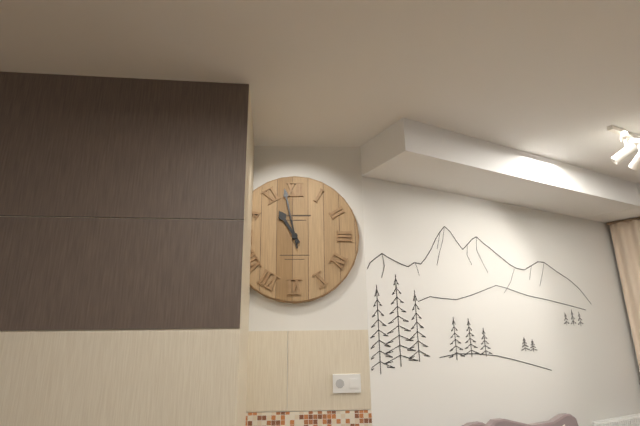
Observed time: 10:58
